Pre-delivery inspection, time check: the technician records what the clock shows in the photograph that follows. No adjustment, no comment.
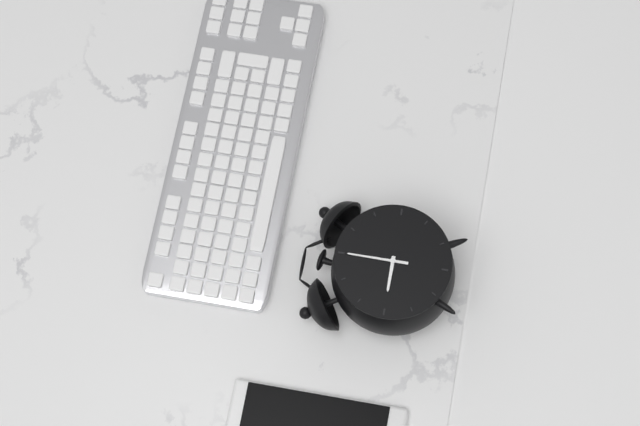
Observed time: 9:00
